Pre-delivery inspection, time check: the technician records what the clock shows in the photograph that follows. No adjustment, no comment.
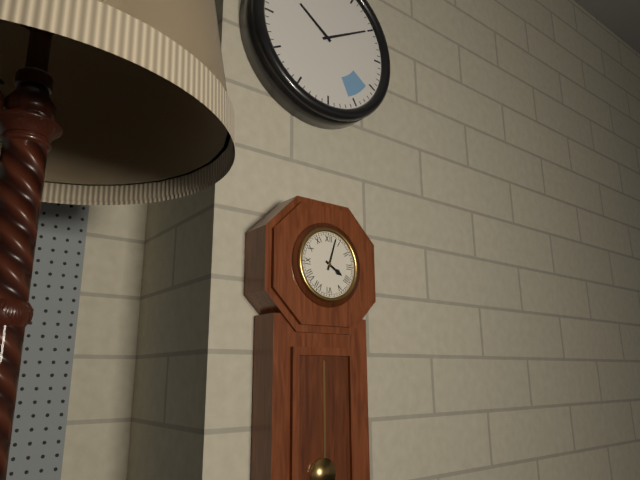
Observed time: 4:03
